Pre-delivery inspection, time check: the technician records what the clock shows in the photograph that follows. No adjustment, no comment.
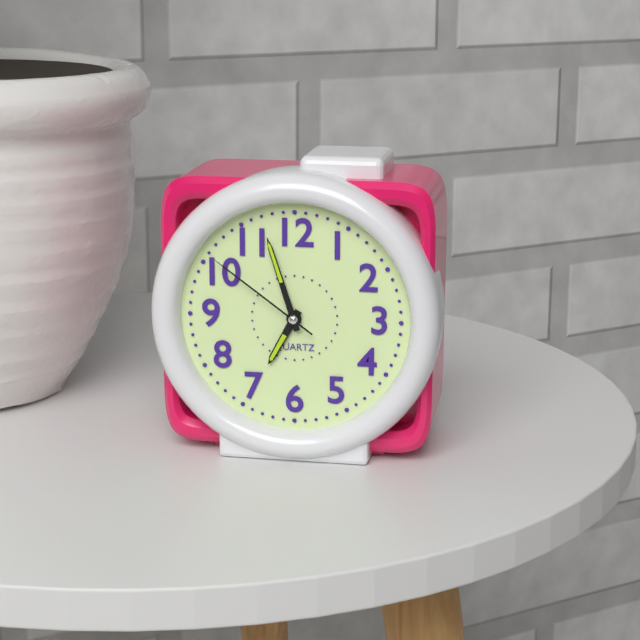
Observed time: 6:57:51
